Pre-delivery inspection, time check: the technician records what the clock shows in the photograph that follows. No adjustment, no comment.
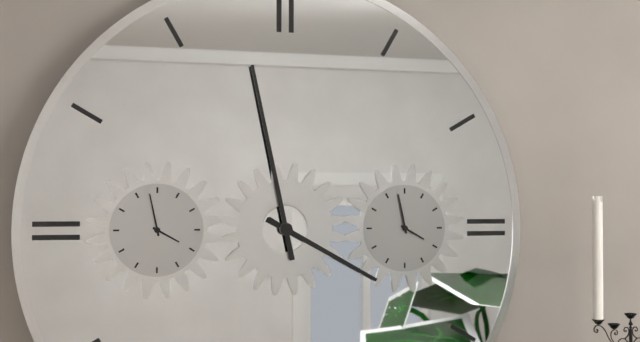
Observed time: 3:58
